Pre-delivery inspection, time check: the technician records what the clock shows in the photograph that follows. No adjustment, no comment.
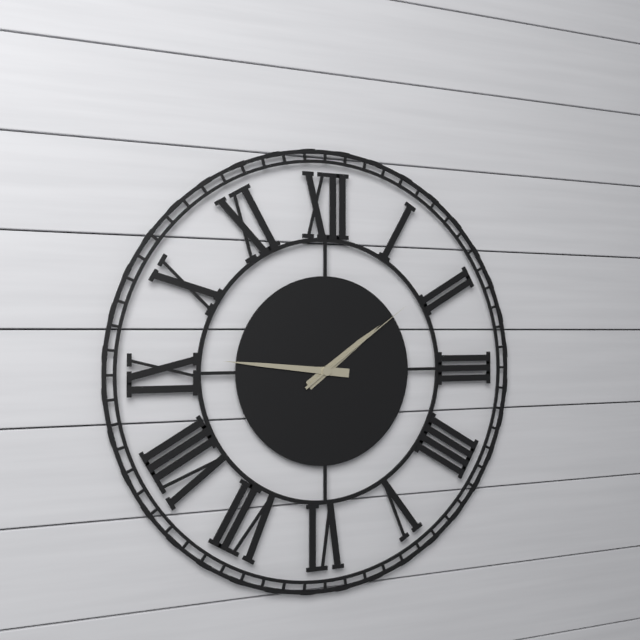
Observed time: 1:46:09
